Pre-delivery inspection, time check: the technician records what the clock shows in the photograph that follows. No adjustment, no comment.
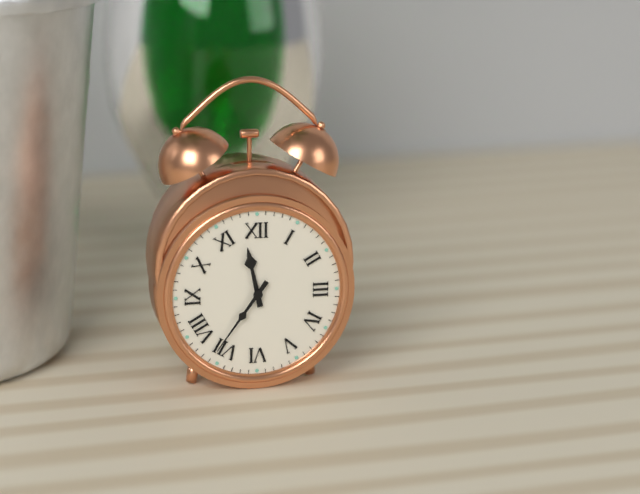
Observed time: 11:36
